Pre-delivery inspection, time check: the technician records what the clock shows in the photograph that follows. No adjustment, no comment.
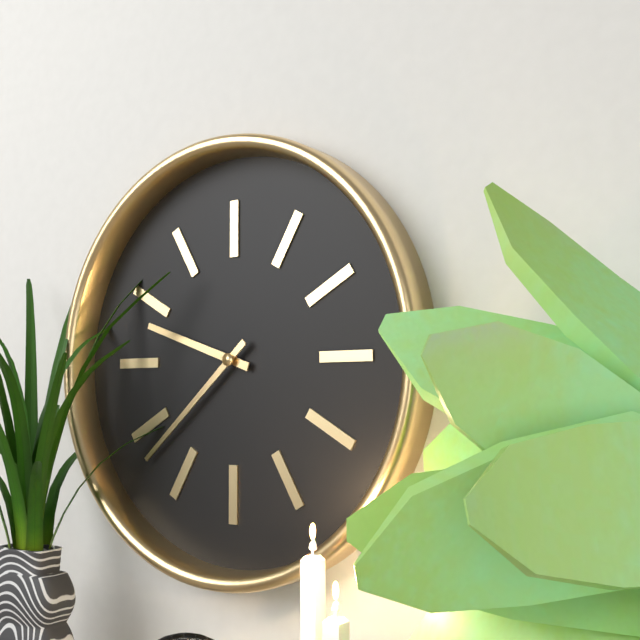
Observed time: 9:38
